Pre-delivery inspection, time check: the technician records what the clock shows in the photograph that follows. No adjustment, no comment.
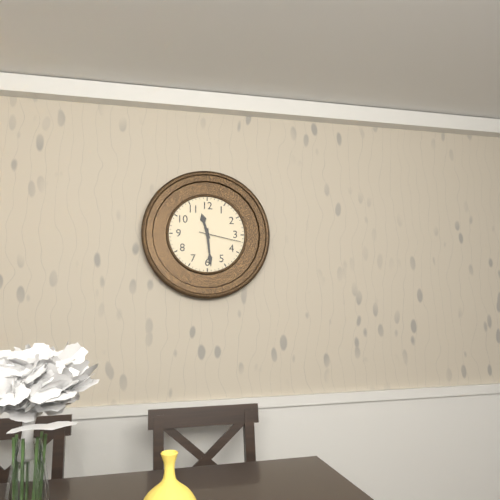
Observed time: 11:29
